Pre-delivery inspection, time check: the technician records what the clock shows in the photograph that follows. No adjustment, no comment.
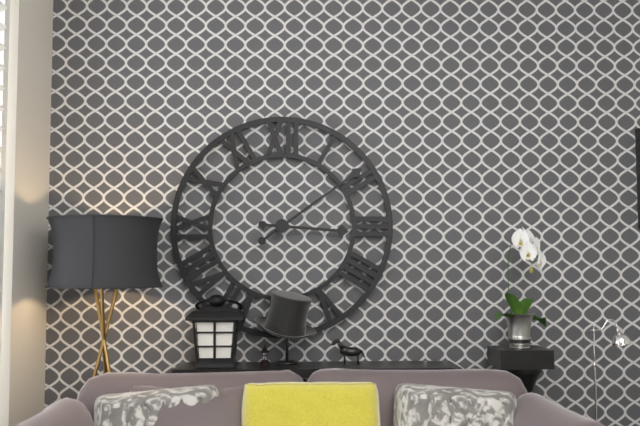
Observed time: 3:09
